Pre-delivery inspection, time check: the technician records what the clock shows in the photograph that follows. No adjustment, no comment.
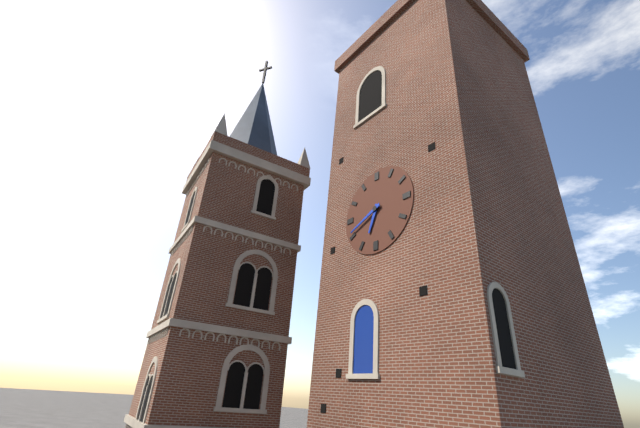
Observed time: 6:41
